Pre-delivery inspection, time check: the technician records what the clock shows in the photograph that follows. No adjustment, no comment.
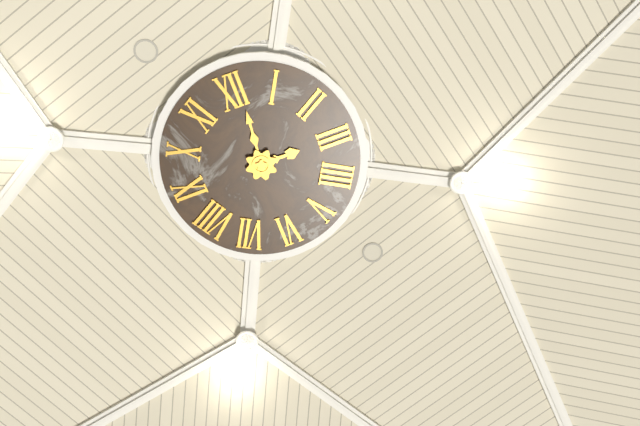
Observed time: 3:01
